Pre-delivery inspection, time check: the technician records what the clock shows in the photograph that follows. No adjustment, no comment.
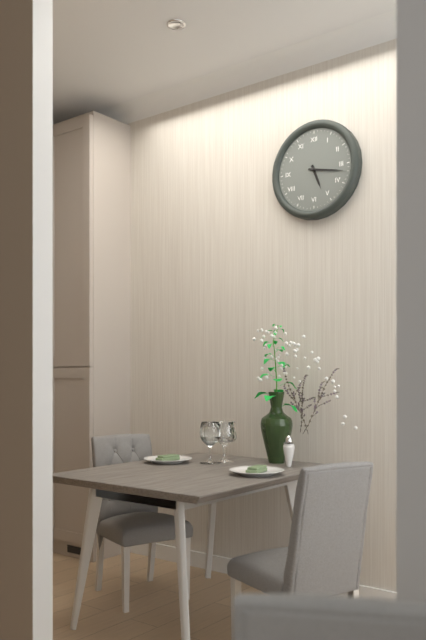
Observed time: 5:17
